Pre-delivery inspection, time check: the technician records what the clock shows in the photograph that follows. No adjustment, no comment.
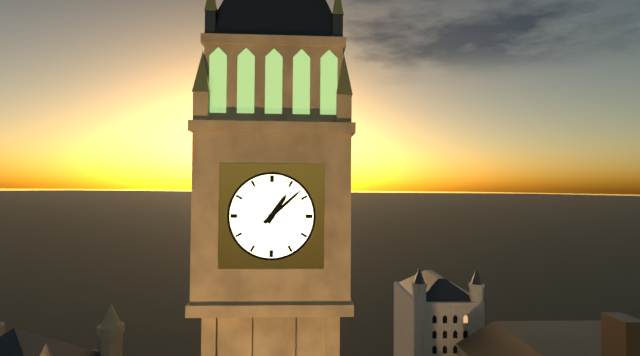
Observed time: 1:08
